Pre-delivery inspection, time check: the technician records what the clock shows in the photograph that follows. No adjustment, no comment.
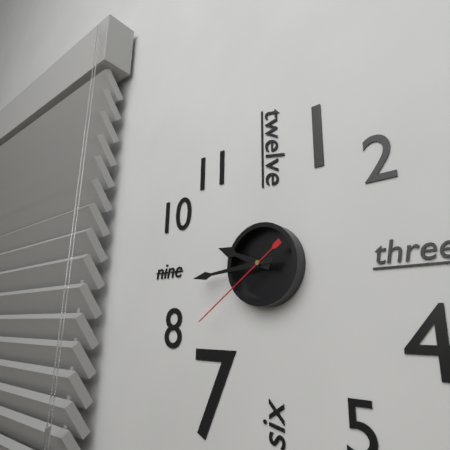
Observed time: 9:44:39
